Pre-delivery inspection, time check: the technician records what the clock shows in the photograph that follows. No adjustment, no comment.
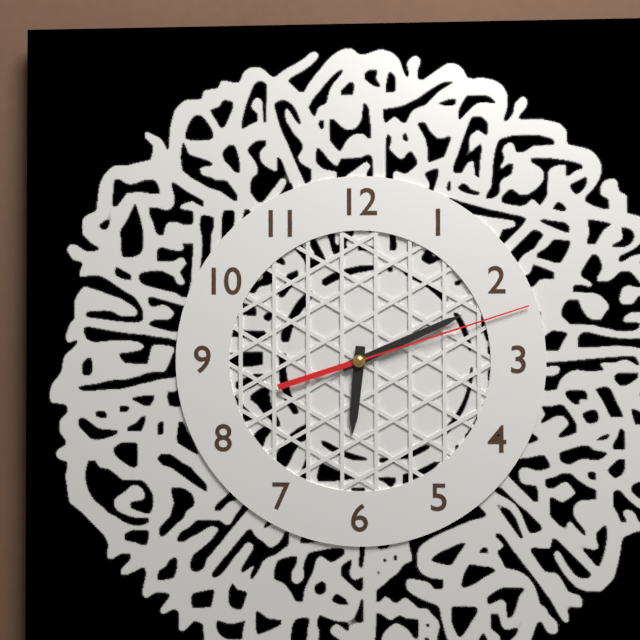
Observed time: 6:11:12
